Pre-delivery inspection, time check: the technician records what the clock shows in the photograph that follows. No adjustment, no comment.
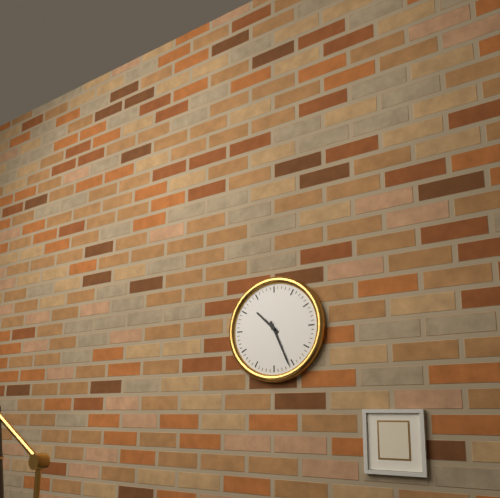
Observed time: 10:26
